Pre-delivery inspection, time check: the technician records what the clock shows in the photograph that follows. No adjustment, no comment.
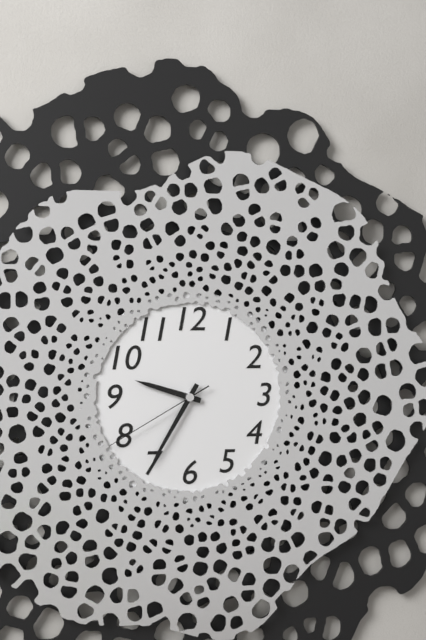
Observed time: 9:35:40
